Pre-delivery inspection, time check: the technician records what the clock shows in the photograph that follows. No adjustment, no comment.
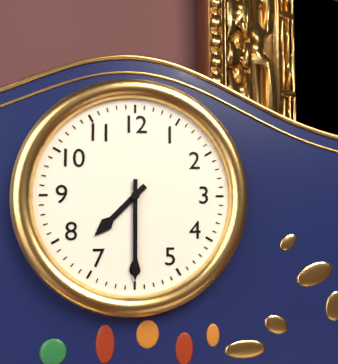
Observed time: 7:30
